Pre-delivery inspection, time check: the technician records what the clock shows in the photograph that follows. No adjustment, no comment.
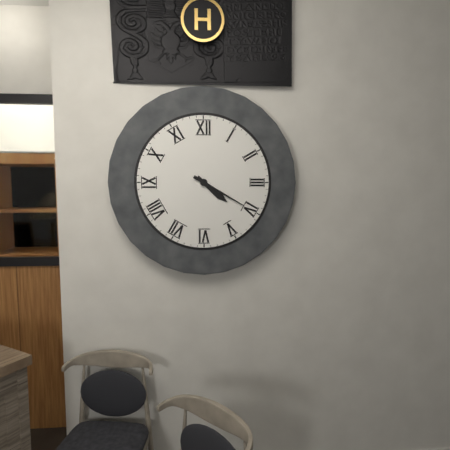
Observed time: 4:20
